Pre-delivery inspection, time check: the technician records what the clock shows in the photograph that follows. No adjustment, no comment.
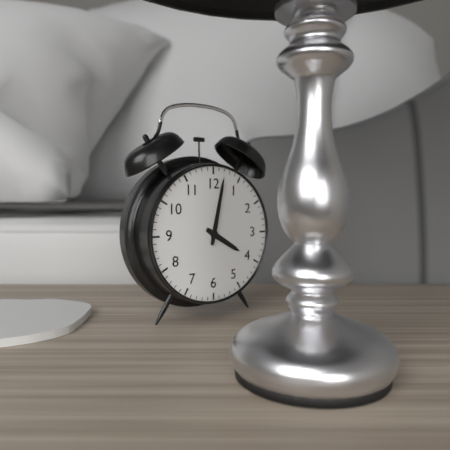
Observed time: 4:02
